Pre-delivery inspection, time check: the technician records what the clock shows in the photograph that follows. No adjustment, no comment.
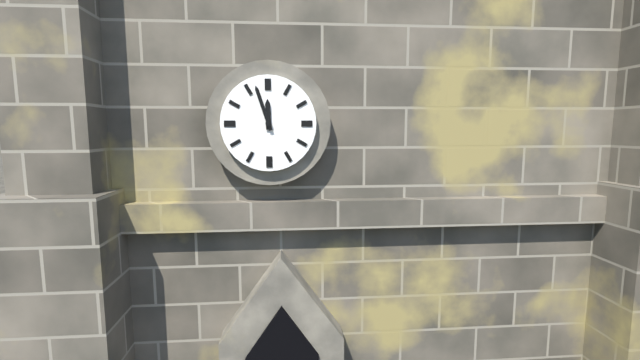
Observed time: 11:57
